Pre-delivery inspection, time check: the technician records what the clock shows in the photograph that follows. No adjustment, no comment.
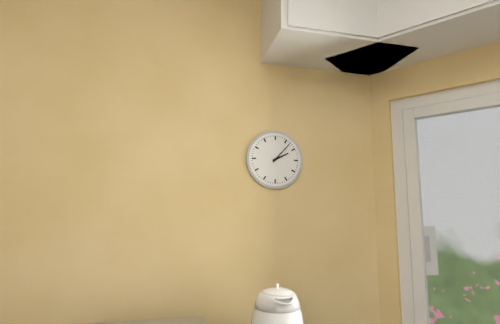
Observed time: 2:07
